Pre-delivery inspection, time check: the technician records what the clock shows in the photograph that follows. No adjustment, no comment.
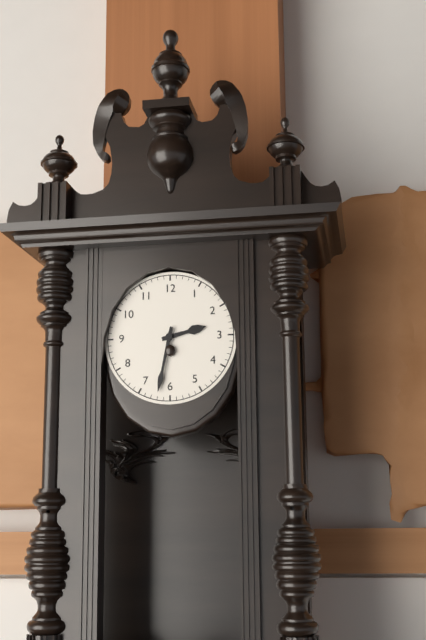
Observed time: 2:32
